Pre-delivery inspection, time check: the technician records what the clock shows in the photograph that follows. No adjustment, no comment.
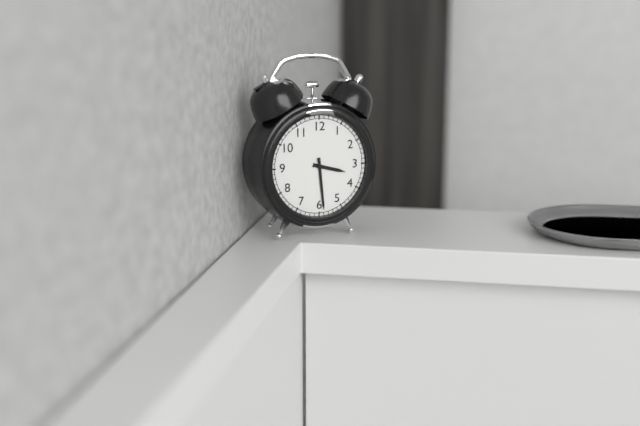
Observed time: 3:29
